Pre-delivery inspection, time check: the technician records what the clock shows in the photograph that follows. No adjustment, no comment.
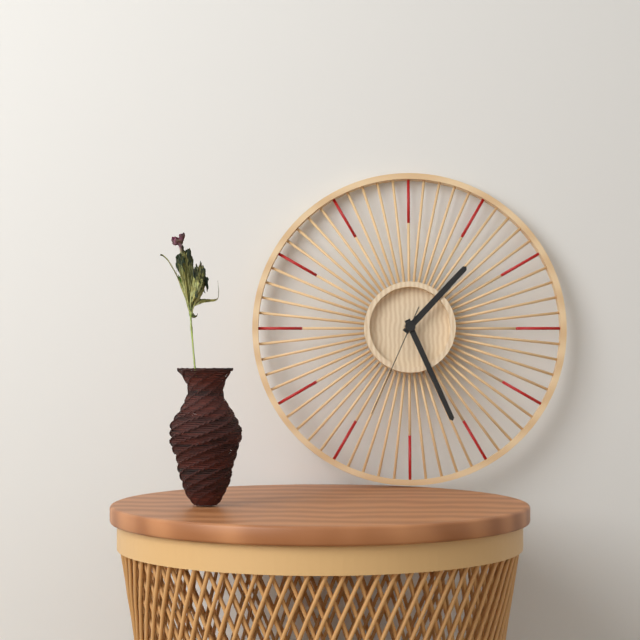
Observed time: 1:26:34
